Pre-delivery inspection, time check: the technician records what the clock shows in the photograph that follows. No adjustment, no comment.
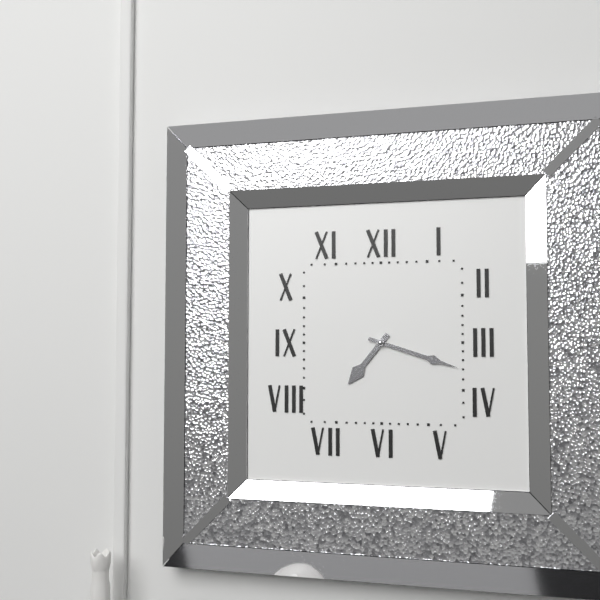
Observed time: 7:18
